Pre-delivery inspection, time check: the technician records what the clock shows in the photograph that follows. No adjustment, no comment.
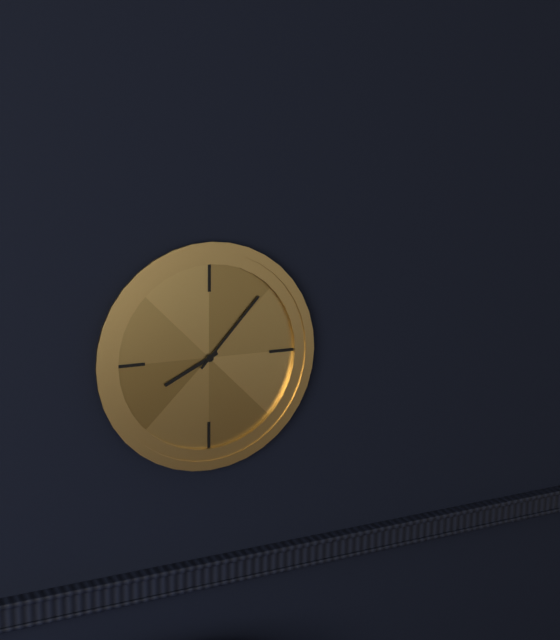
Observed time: 8:07
